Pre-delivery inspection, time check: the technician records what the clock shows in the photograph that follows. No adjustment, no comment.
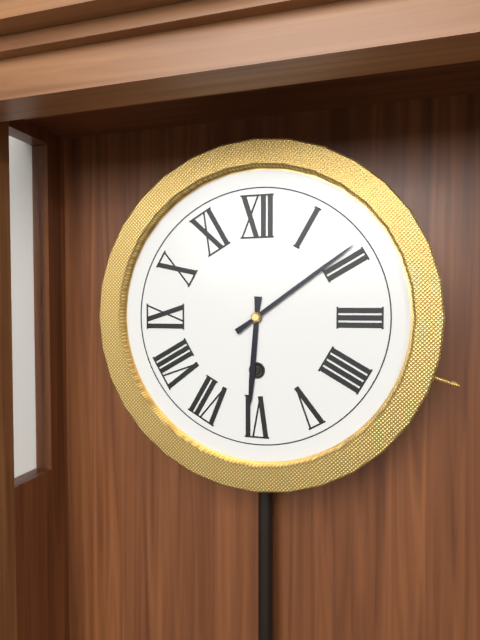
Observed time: 6:09
